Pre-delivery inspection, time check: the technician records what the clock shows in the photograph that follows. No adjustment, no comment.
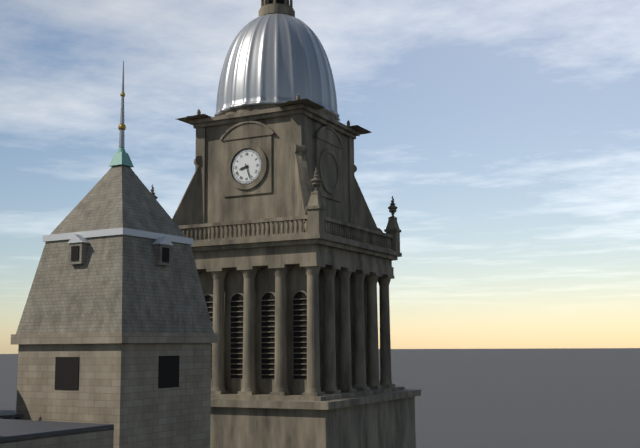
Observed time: 8:27
